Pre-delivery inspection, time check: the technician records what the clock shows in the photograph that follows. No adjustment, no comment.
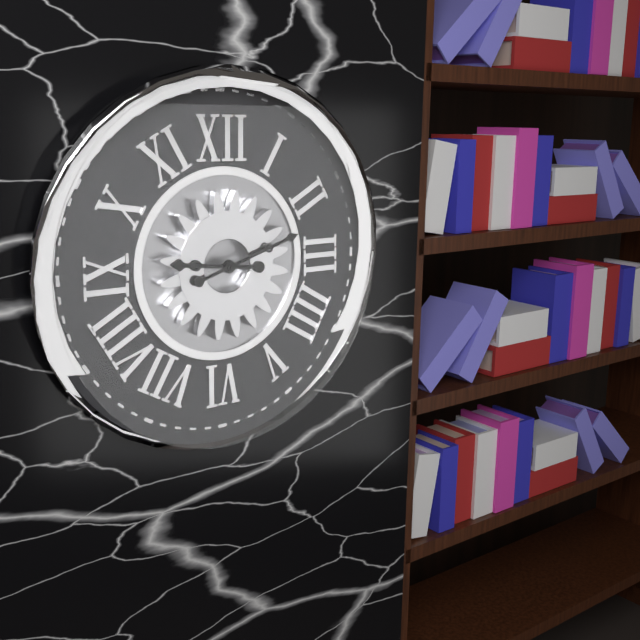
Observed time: 9:12
